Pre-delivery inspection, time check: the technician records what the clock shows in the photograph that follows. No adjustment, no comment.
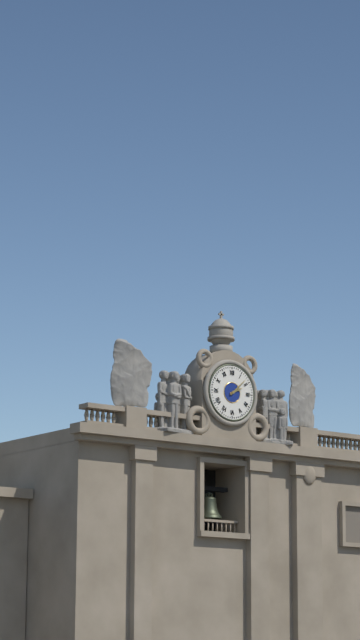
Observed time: 2:08
